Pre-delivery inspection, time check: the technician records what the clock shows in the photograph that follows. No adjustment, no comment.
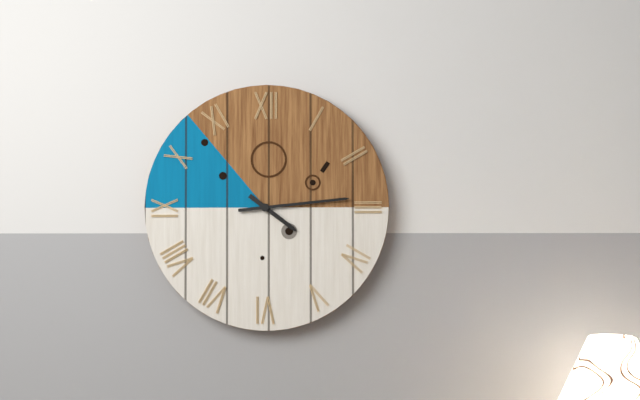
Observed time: 4:14
